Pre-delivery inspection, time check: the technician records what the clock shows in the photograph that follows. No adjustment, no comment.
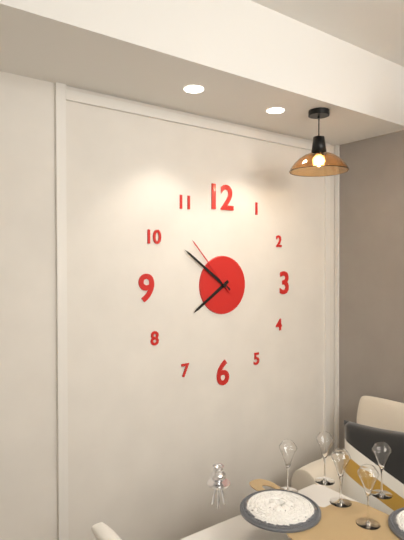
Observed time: 7:51:53
